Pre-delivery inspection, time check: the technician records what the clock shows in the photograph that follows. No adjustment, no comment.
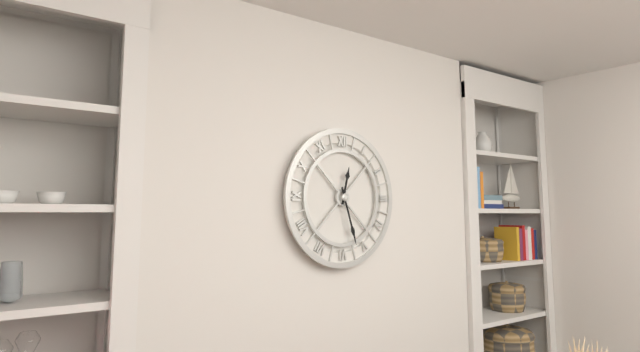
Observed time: 12:27
